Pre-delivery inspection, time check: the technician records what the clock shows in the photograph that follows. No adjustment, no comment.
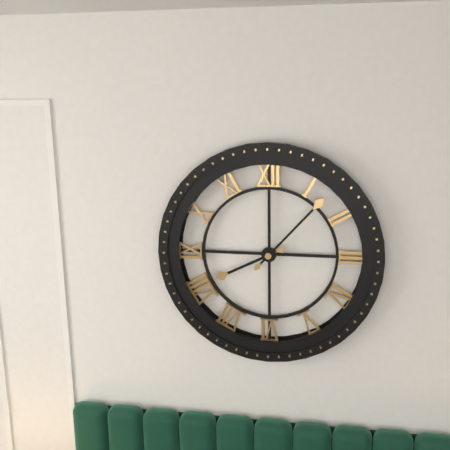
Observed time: 8:07
